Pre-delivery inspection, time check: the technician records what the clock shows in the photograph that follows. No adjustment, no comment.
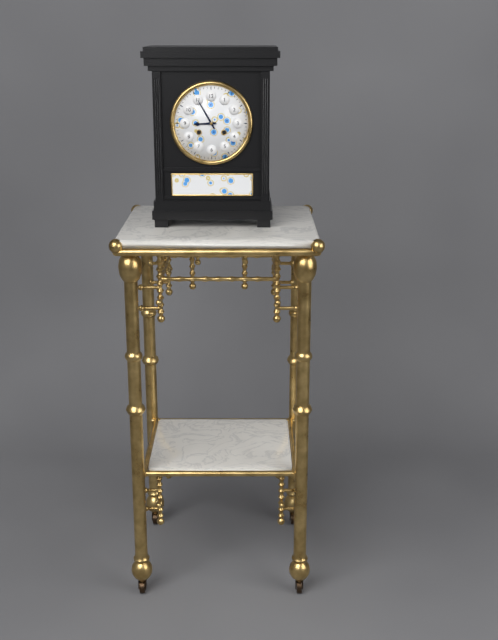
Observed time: 8:55
